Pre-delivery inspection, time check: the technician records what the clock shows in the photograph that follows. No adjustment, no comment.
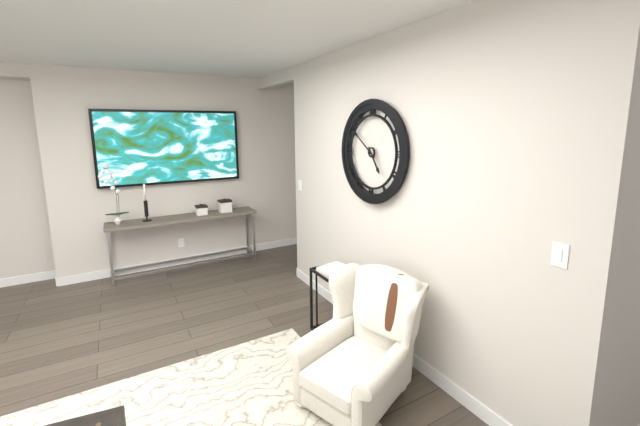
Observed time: 4:51
